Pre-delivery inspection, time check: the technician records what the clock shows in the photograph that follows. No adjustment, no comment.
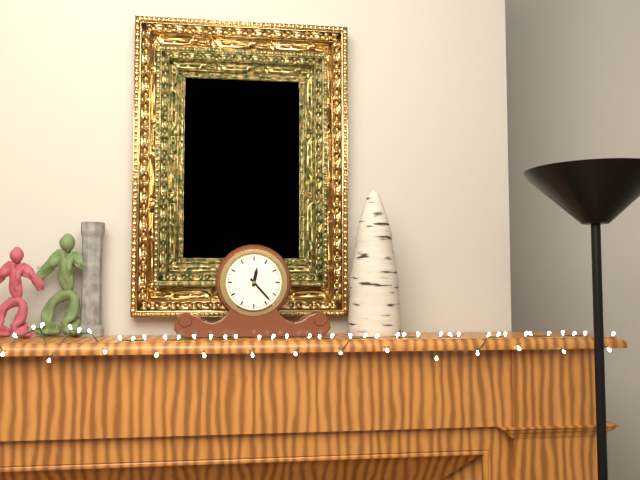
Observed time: 12:23
